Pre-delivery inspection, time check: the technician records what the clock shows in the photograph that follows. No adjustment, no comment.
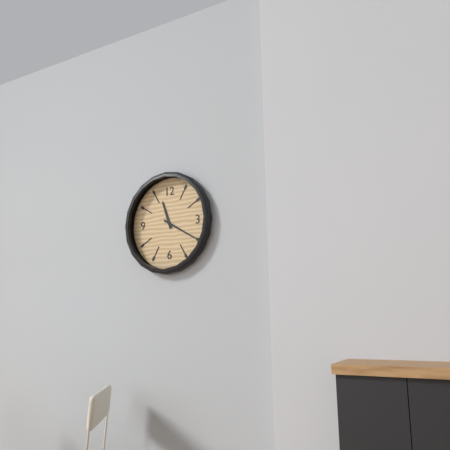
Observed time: 11:20
